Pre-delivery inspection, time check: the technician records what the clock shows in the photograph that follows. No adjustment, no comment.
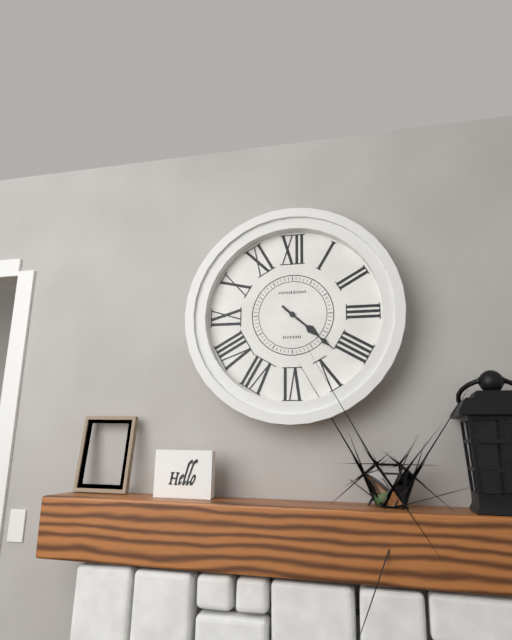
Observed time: 4:22
